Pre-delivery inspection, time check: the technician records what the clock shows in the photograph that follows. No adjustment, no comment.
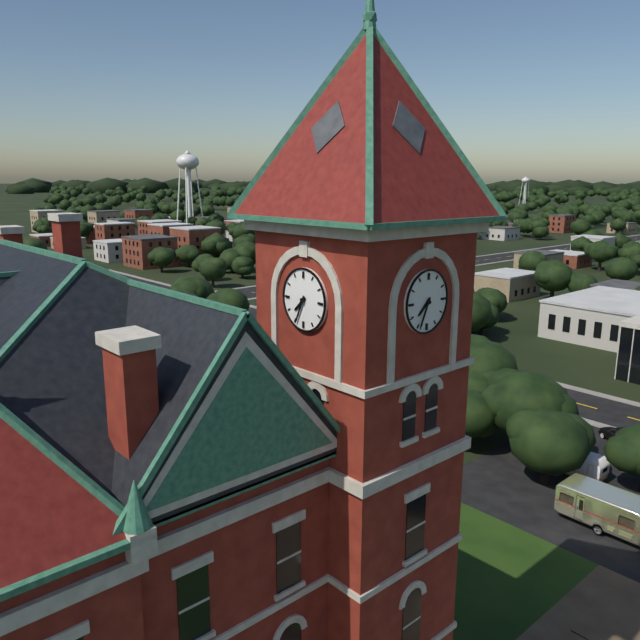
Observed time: 7:34
